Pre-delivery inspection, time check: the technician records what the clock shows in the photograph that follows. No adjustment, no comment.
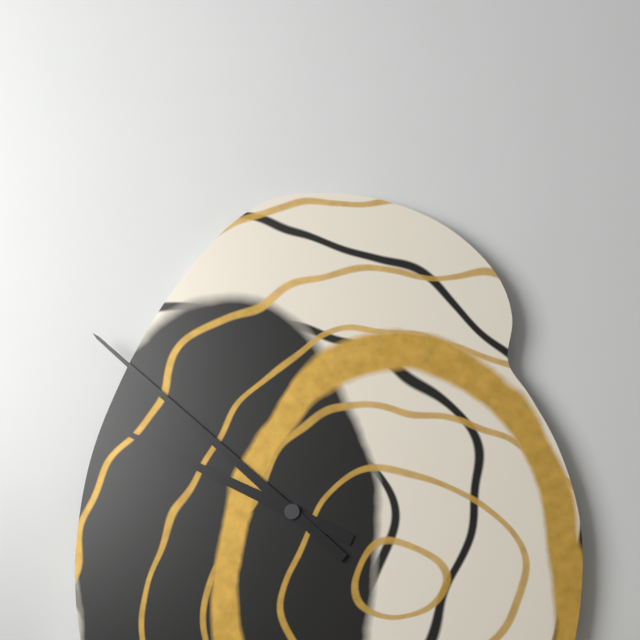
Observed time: 9:52
